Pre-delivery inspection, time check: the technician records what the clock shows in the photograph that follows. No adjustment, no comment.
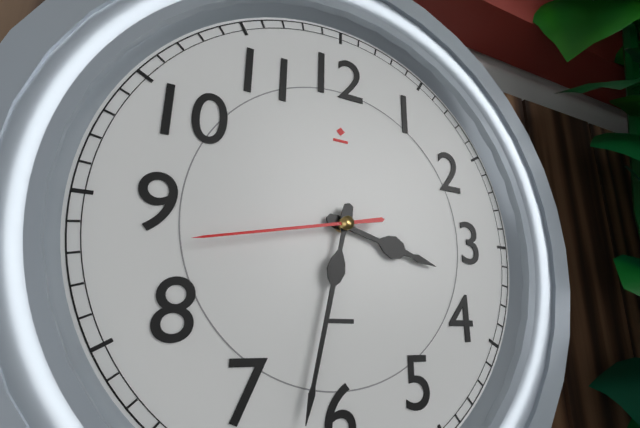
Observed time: 3:32:43
